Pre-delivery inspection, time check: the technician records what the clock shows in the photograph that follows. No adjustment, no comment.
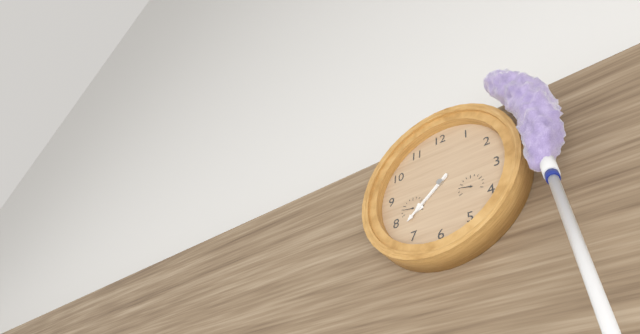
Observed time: 7:38
